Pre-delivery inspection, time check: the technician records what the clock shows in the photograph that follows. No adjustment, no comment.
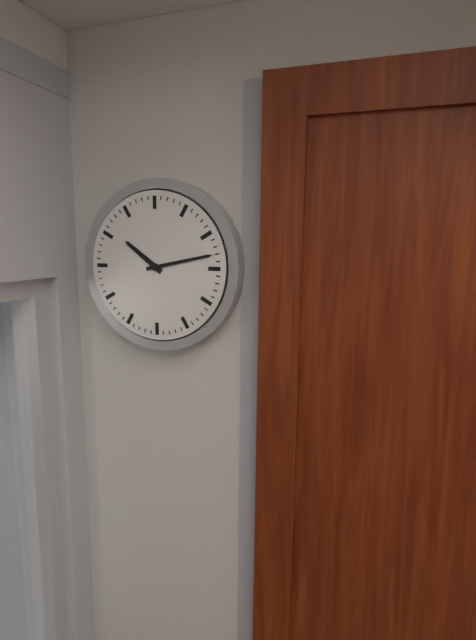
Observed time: 10:13
